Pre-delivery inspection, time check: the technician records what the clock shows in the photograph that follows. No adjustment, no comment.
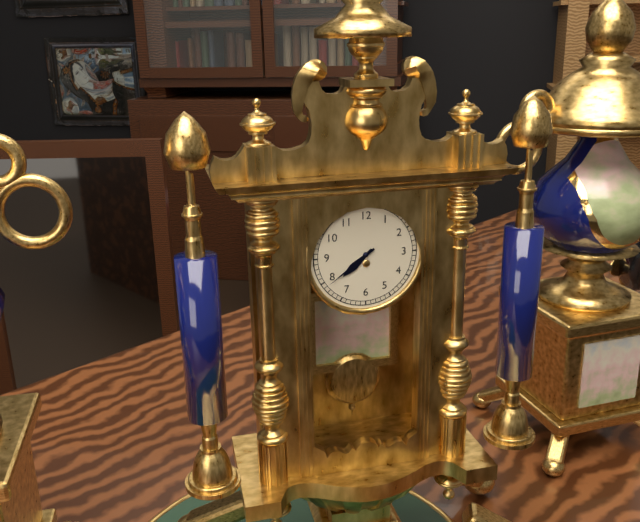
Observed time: 7:39
